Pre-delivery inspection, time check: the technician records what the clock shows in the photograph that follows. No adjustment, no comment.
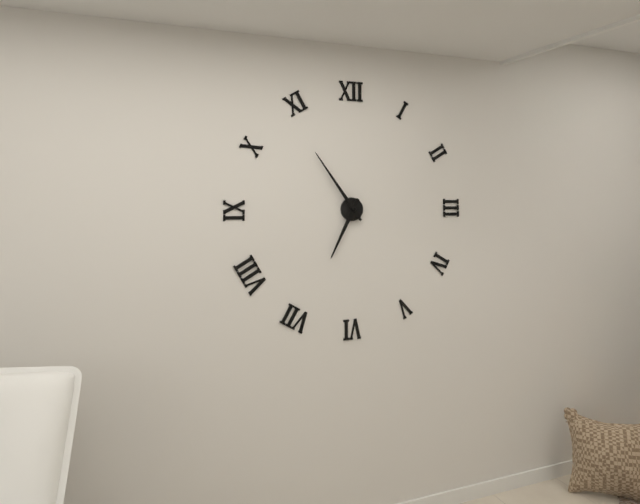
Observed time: 6:54
